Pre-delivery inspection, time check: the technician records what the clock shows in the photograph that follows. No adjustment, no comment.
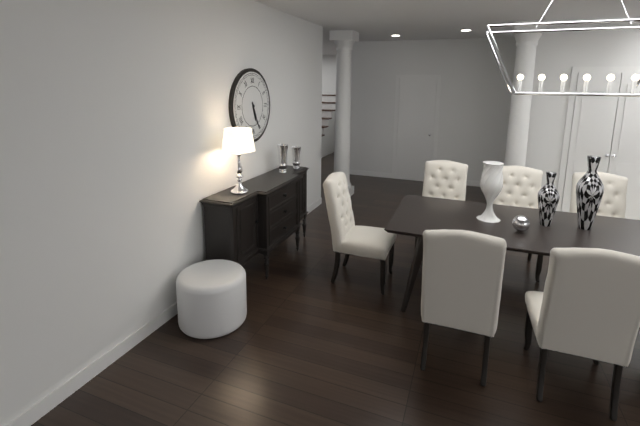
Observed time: 5:26
